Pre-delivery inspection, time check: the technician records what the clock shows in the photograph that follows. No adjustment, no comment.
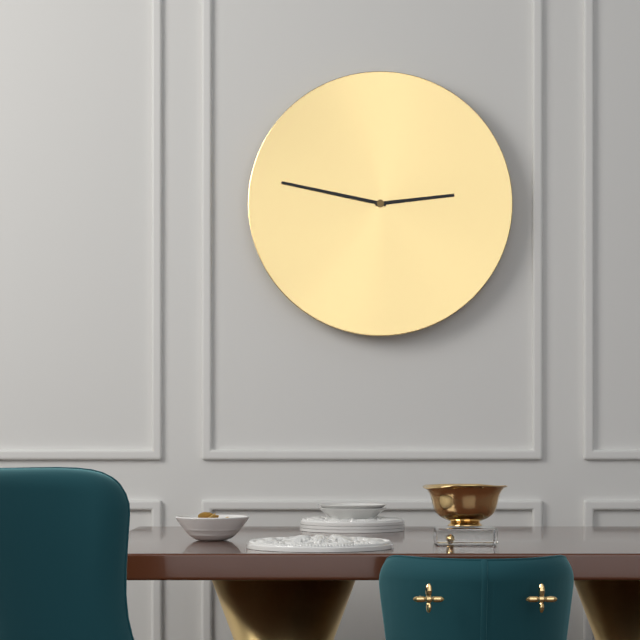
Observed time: 2:47
